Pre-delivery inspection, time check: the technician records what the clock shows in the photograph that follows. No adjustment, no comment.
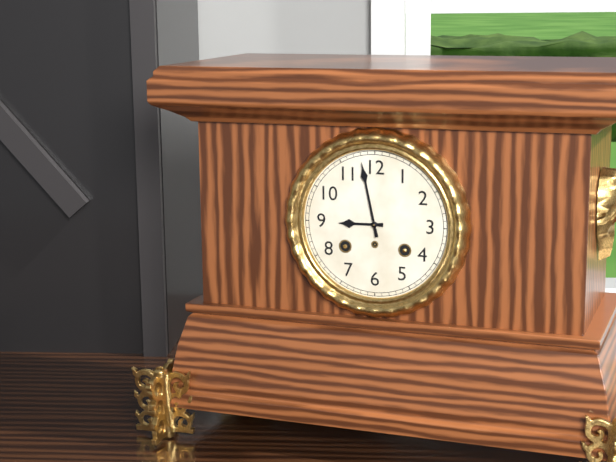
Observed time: 8:58
